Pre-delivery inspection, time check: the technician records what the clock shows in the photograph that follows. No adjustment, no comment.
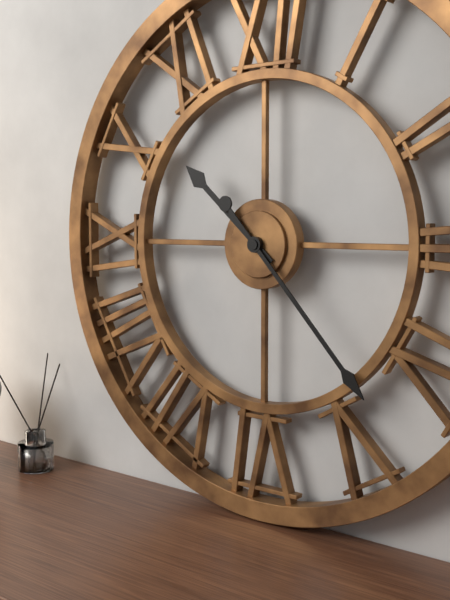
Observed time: 10:23
